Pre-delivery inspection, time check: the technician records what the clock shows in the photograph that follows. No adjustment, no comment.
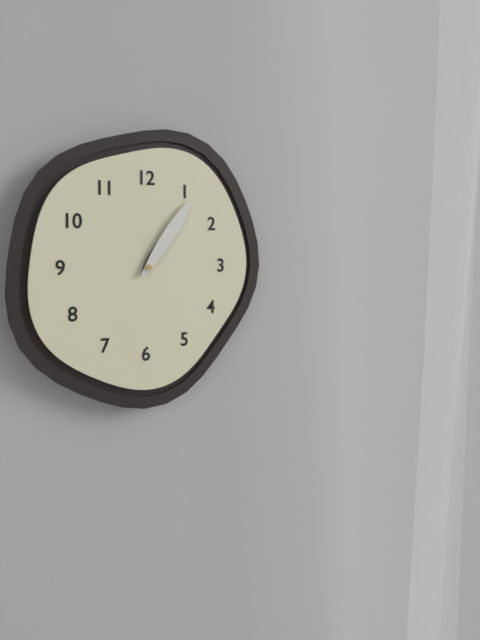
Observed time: 1:06
